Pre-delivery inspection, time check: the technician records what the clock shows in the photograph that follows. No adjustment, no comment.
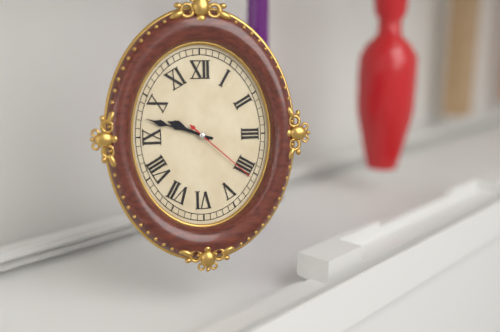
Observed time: 9:48:22
